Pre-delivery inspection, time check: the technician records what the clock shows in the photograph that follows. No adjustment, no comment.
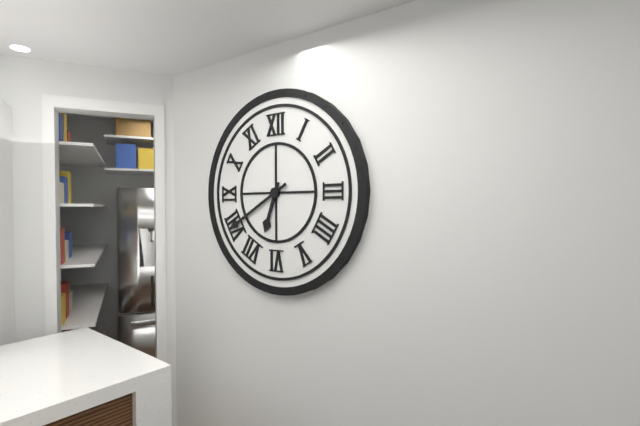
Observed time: 6:40
